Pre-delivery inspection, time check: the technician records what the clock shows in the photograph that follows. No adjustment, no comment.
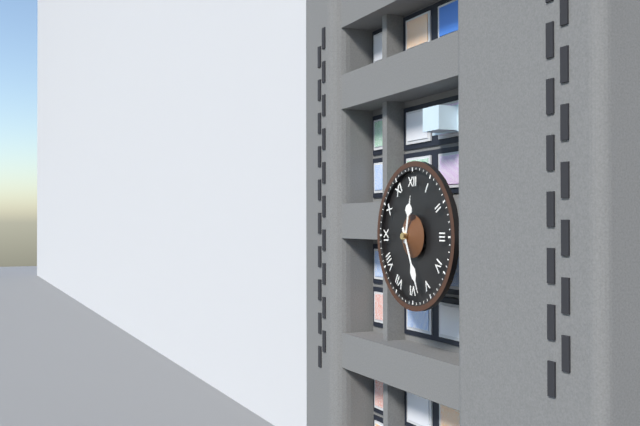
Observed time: 12:26
